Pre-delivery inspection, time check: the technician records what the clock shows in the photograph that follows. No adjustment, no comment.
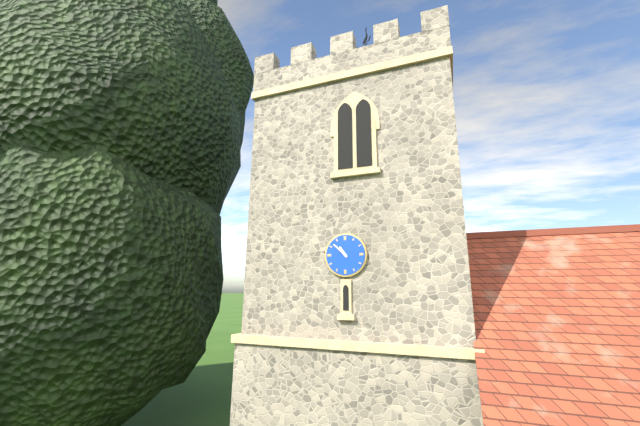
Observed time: 10:52
